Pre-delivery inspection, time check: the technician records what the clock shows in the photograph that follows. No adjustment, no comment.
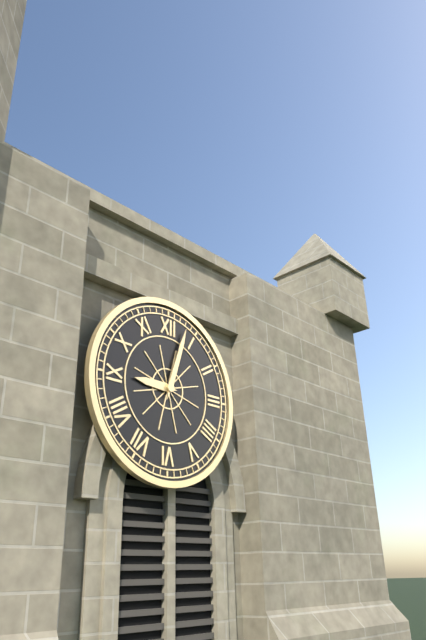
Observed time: 9:03
